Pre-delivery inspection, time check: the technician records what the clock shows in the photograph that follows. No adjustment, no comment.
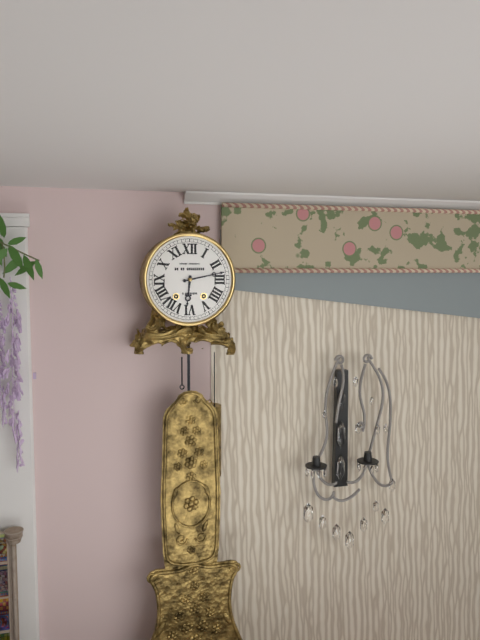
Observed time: 6:13
